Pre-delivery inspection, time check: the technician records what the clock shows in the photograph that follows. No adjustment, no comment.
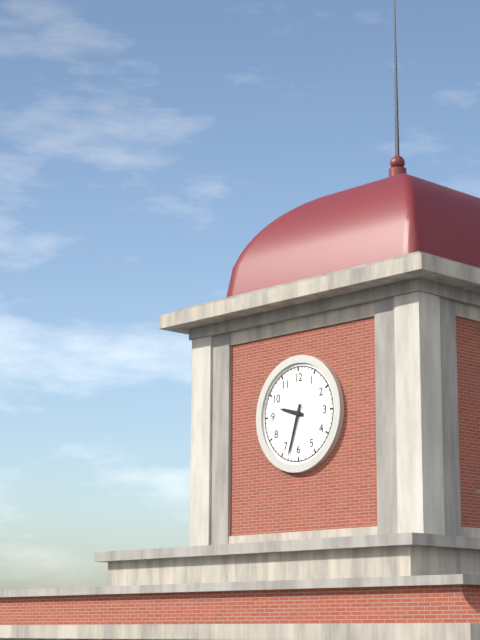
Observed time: 9:33
